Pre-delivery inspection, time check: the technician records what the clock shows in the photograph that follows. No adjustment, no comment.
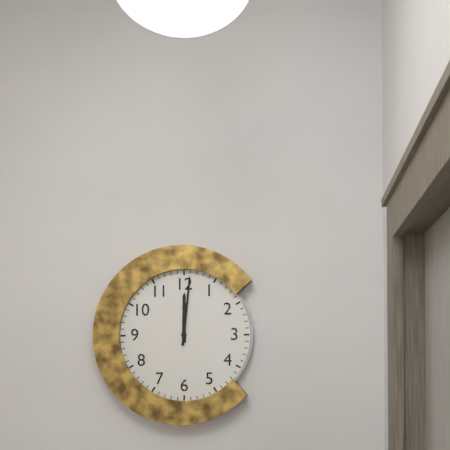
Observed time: 12:01
